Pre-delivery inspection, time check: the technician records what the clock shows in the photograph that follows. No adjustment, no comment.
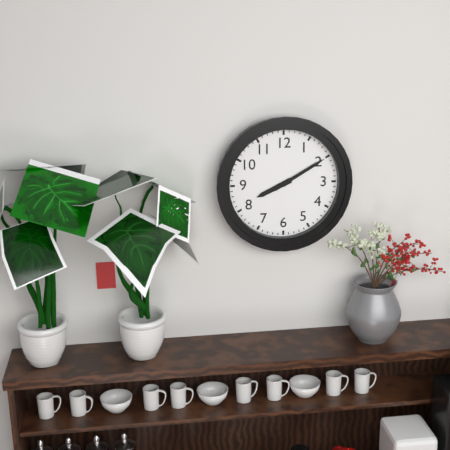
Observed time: 8:10
